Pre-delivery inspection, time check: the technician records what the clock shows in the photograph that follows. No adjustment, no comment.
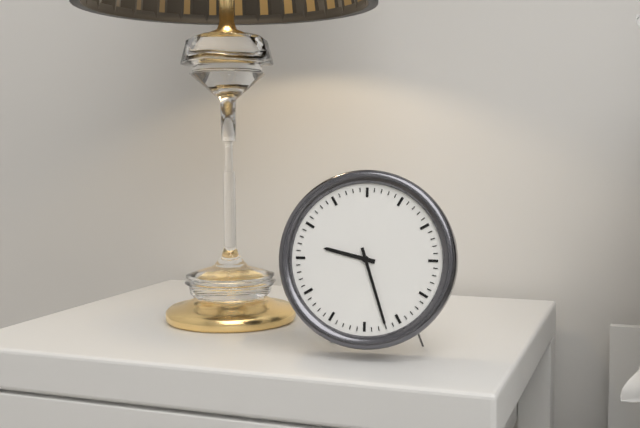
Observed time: 9:27
